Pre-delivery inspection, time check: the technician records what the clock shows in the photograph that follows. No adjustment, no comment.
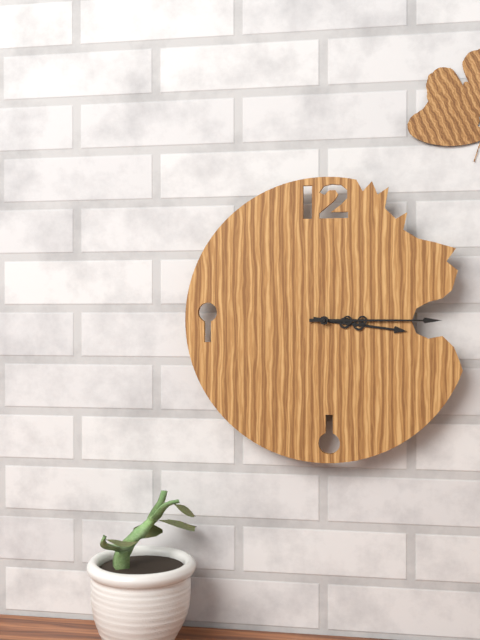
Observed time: 3:15
